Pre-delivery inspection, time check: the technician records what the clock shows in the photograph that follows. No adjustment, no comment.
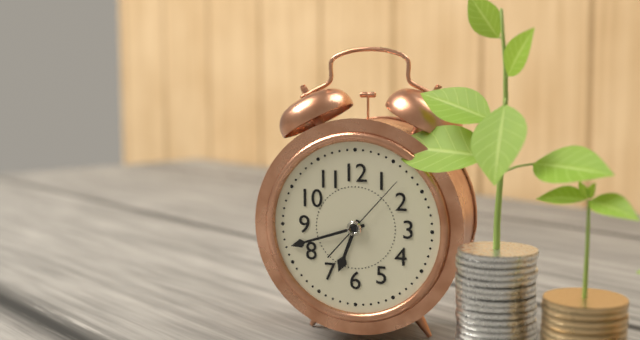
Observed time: 6:42:07
